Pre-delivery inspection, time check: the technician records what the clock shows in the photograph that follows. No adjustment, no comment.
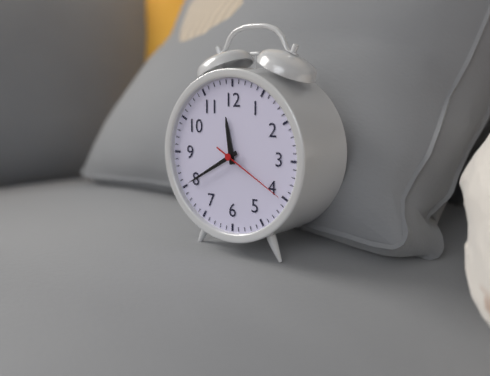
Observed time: 11:40:20
